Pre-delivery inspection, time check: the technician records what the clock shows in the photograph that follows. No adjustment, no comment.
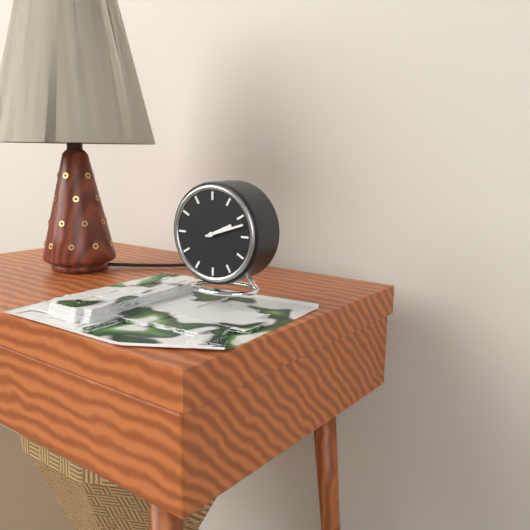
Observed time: 2:12
